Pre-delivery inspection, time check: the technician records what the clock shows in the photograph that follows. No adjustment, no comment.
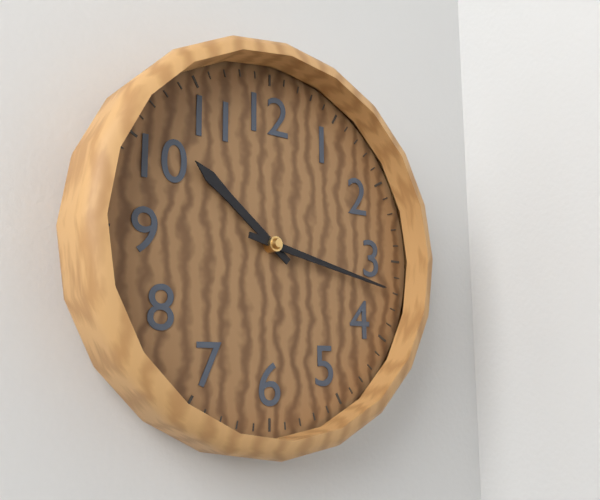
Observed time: 10:17
